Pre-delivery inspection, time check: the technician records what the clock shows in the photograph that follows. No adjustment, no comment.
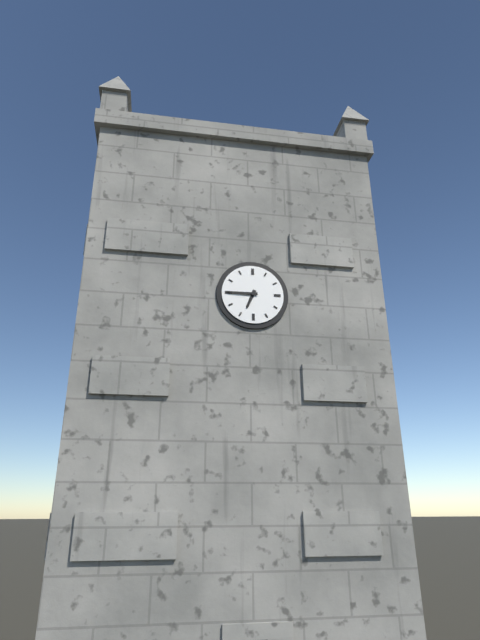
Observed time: 6:45
